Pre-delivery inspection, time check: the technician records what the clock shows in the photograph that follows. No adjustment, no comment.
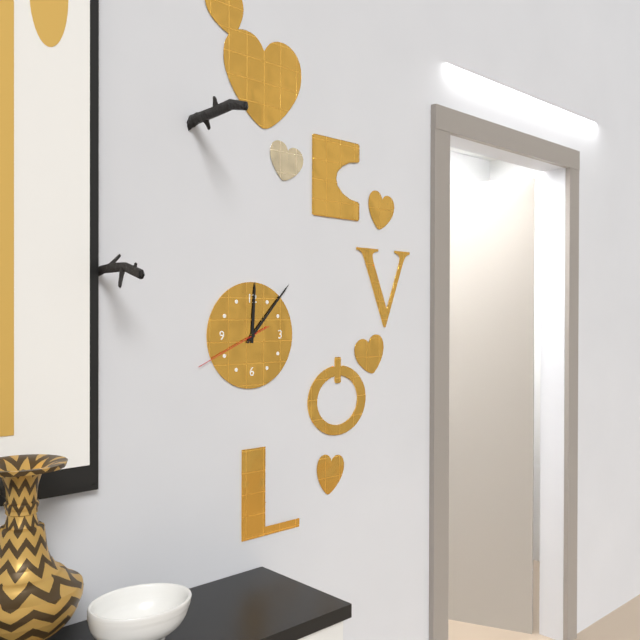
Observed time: 12:07:41
